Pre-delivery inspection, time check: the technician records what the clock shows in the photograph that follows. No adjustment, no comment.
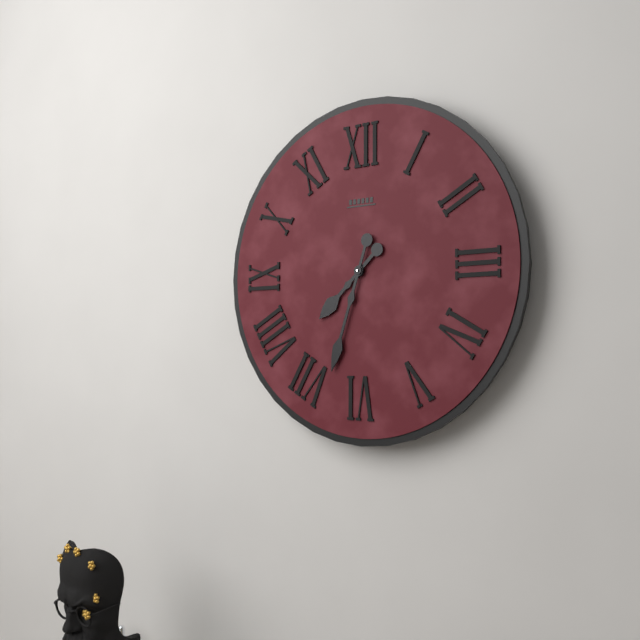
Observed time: 7:33
